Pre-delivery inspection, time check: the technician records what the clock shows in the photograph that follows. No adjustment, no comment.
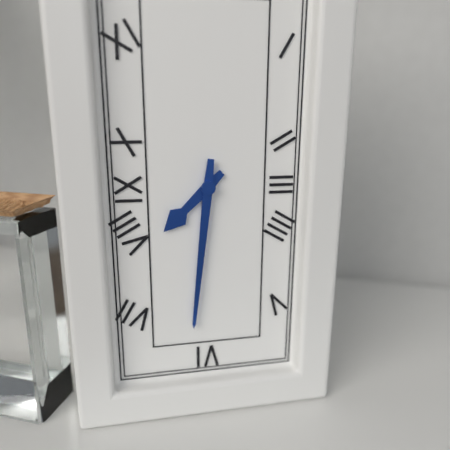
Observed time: 7:31
